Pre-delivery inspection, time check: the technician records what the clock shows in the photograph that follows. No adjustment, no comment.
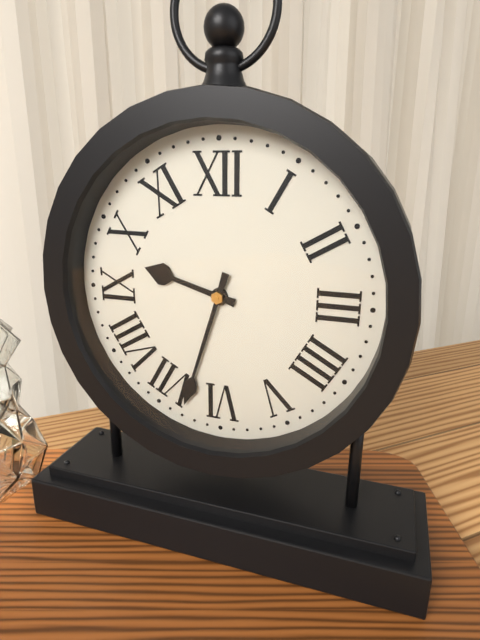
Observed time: 9:33
